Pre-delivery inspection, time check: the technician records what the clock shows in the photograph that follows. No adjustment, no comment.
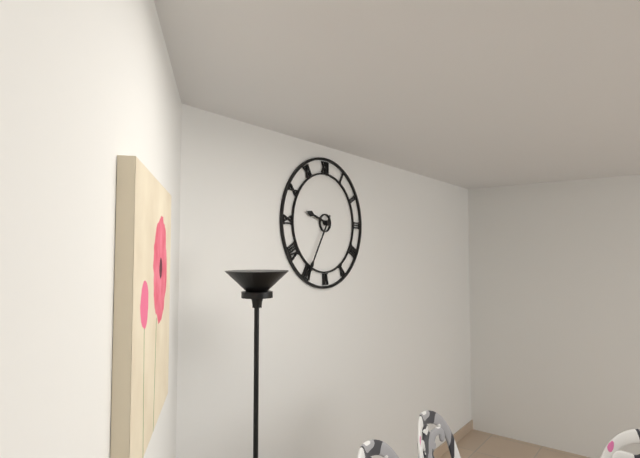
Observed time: 9:35
